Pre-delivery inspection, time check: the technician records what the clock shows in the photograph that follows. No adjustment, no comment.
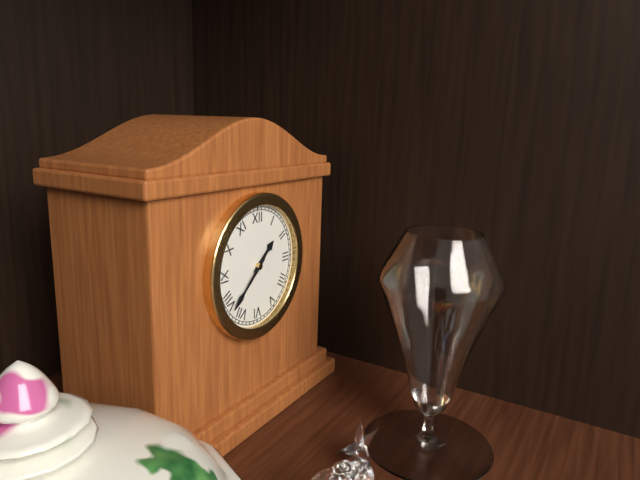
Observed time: 1:38
